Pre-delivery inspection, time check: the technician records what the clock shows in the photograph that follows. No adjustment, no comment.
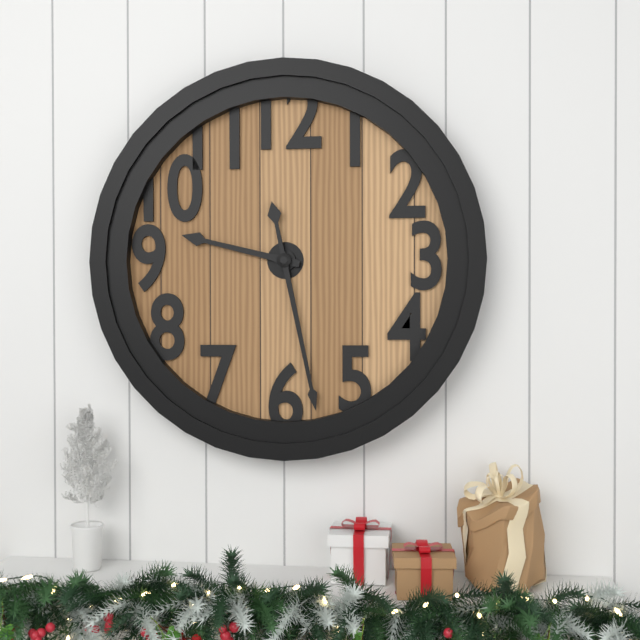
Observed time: 9:28
